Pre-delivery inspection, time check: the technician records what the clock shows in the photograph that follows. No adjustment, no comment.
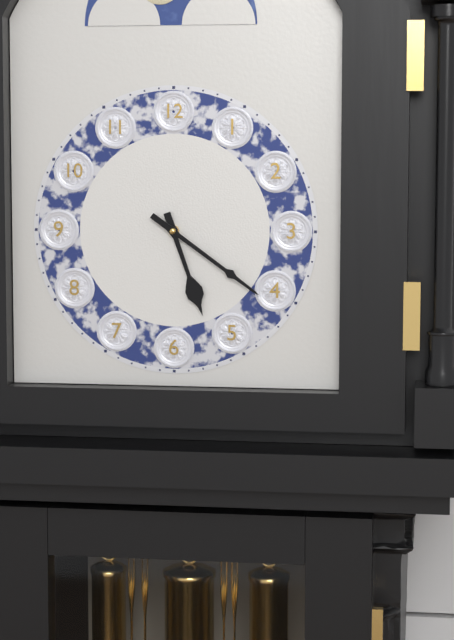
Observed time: 5:21
